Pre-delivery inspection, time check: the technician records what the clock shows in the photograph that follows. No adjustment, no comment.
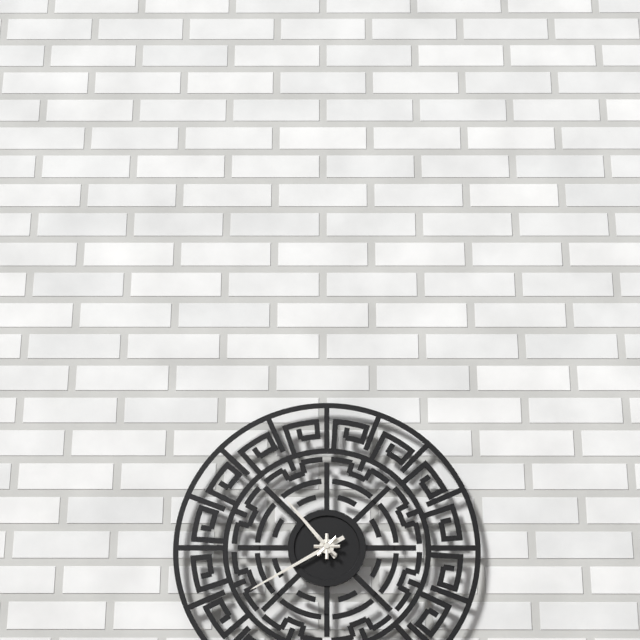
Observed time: 10:40
